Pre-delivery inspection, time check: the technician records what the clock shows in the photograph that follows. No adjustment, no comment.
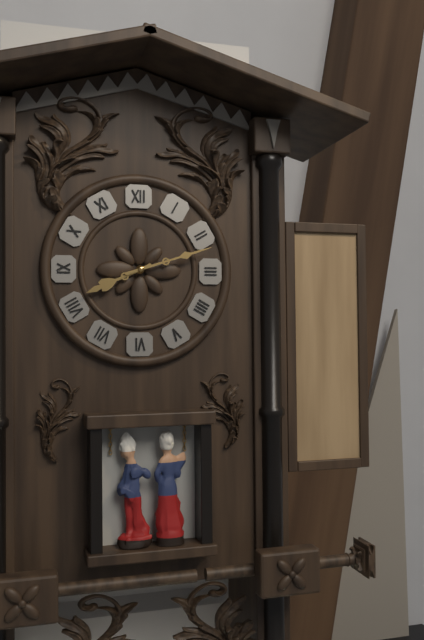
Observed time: 8:12
